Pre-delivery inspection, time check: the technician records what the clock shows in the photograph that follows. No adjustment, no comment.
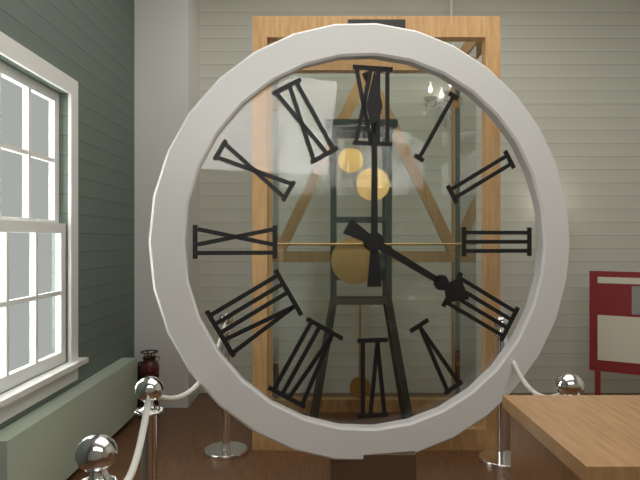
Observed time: 4:00
